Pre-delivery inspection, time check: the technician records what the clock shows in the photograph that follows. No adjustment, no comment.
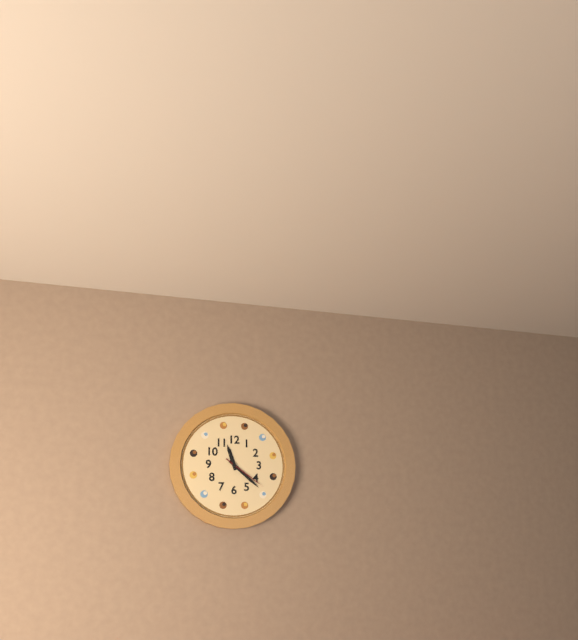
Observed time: 11:22
